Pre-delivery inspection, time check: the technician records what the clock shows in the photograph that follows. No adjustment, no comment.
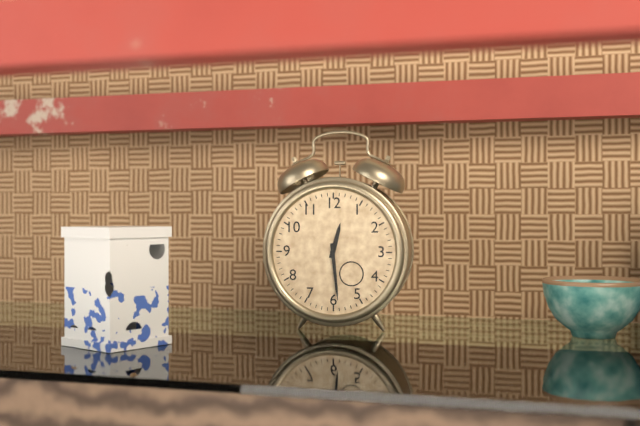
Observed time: 12:29
